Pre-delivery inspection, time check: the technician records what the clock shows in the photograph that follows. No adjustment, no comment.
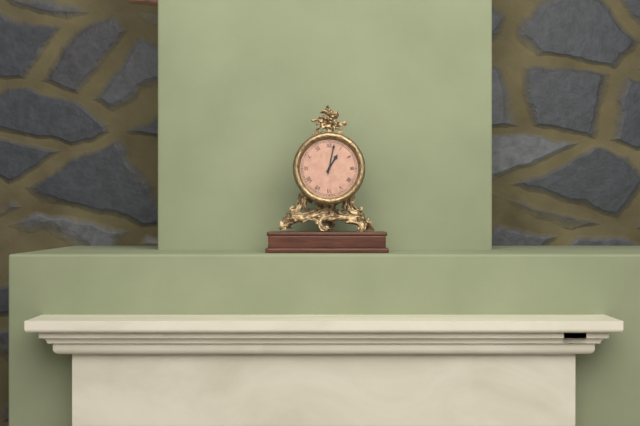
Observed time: 1:02
